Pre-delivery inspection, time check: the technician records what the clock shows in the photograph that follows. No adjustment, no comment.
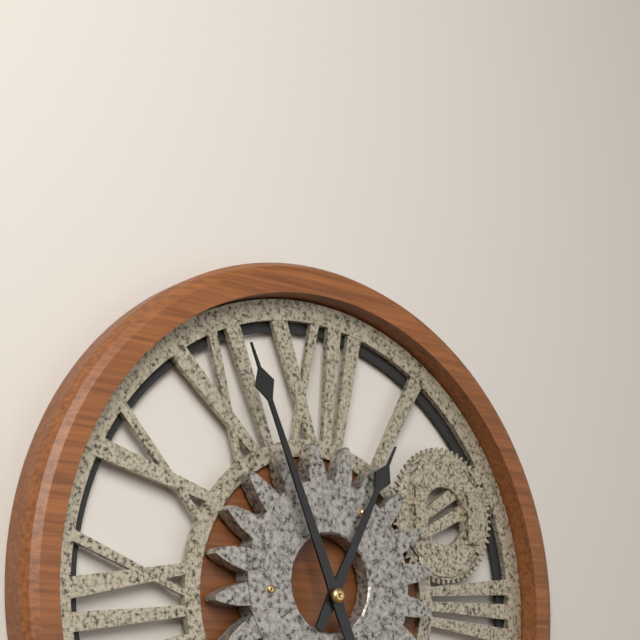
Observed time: 12:56
